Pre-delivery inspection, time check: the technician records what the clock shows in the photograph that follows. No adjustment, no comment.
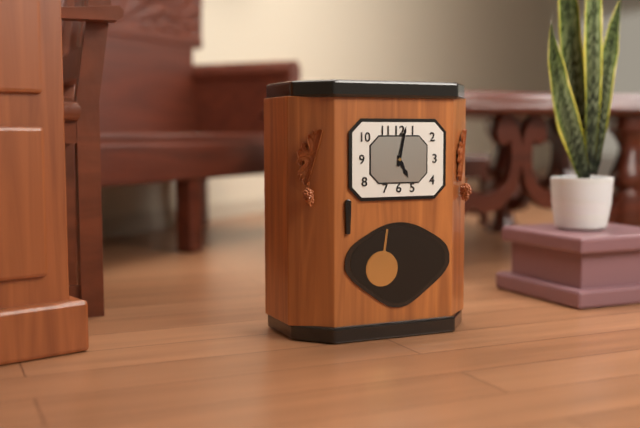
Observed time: 5:02
